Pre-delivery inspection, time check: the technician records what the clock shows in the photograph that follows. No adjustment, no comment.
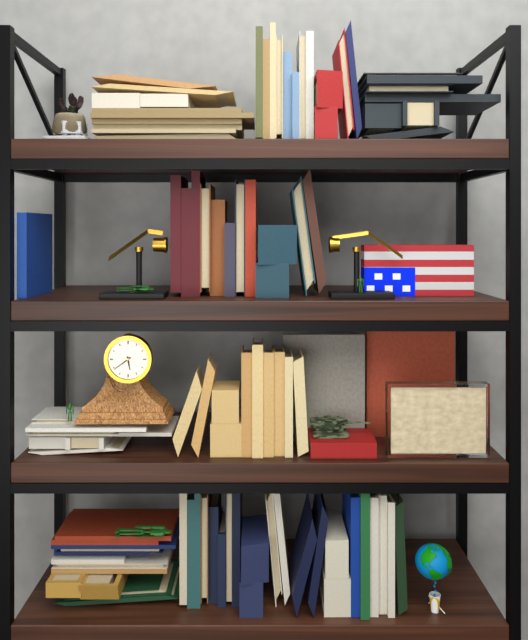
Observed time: 5:39
